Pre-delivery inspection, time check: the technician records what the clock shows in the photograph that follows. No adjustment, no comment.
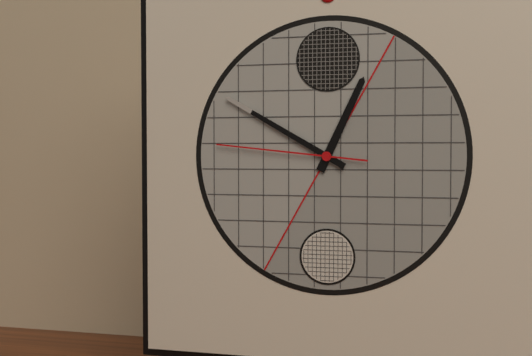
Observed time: 12:50:46
